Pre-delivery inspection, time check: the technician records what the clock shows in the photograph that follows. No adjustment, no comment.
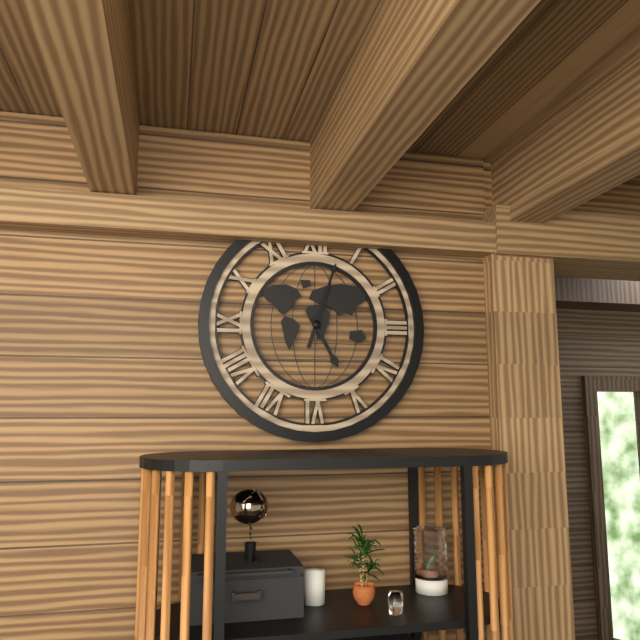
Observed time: 5:03
